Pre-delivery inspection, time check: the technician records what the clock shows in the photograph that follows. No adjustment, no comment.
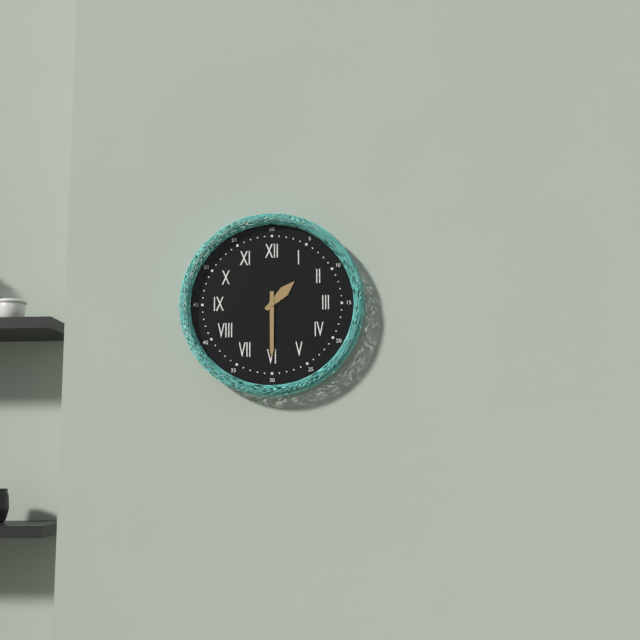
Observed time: 1:30
